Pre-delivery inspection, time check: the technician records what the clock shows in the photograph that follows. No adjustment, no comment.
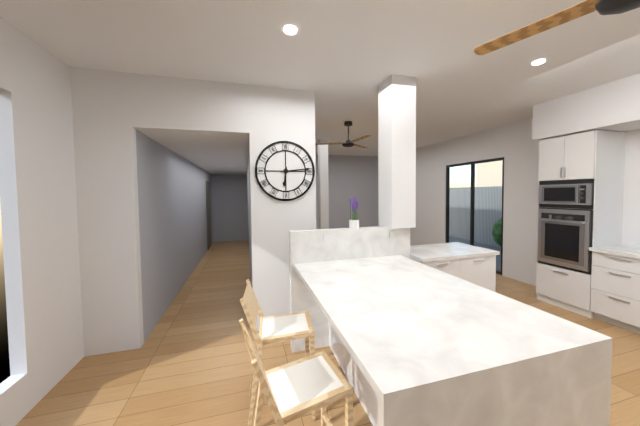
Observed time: 6:14
